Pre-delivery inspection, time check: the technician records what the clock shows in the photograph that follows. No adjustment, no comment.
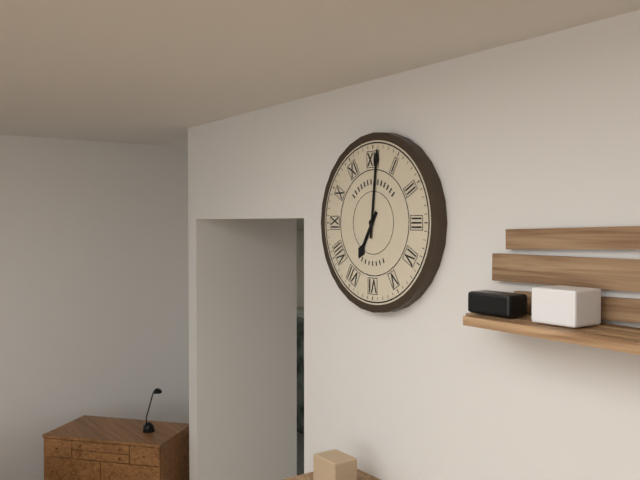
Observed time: 7:01
